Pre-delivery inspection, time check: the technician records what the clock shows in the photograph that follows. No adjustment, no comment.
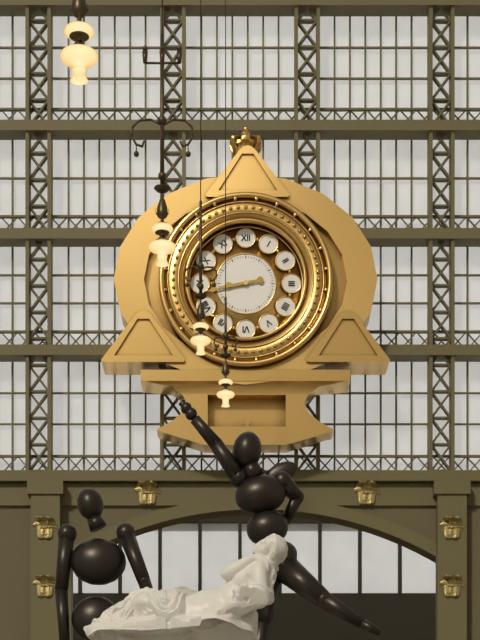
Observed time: 8:43
